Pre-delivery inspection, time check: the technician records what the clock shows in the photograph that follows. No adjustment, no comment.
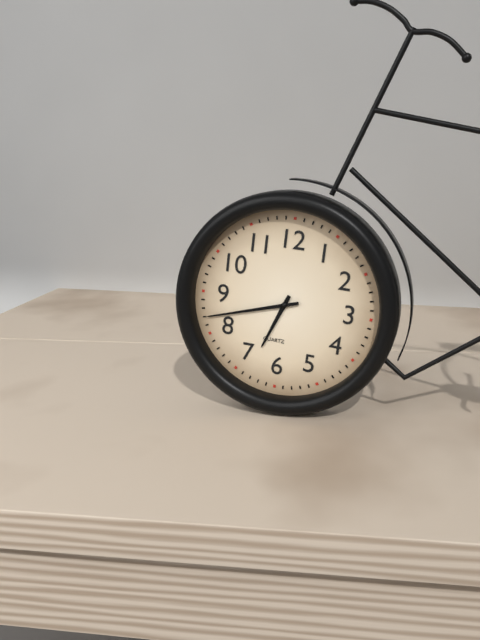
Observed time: 6:42
